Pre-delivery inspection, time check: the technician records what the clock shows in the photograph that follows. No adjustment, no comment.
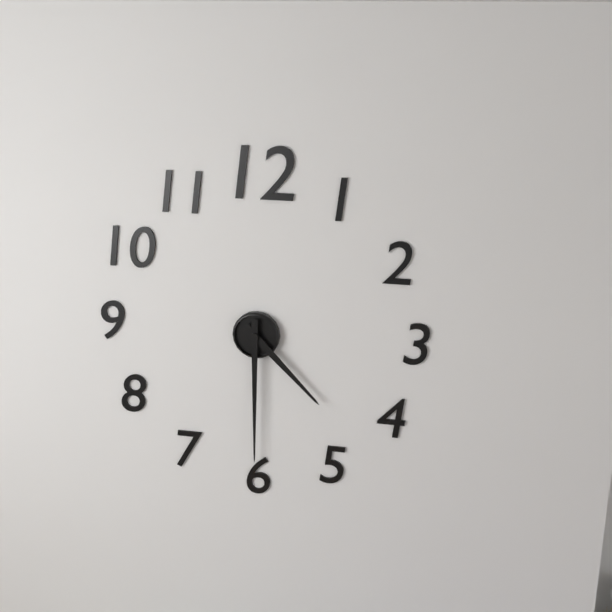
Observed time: 4:30
